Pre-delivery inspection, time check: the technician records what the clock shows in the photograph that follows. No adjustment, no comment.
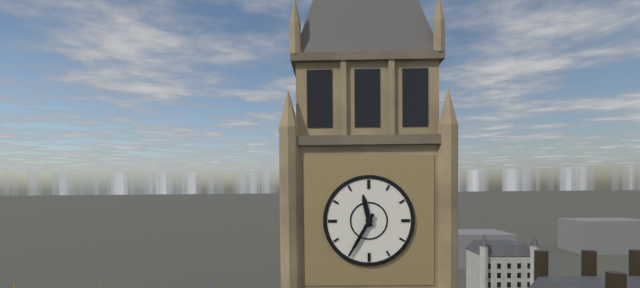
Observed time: 11:35
